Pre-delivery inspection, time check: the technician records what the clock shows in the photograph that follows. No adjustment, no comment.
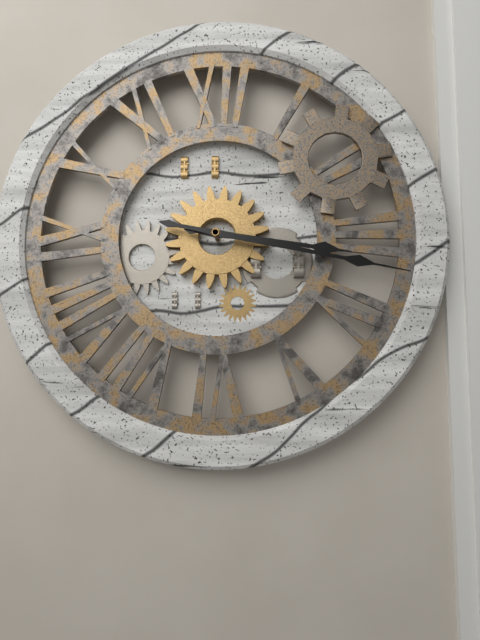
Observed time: 3:17
